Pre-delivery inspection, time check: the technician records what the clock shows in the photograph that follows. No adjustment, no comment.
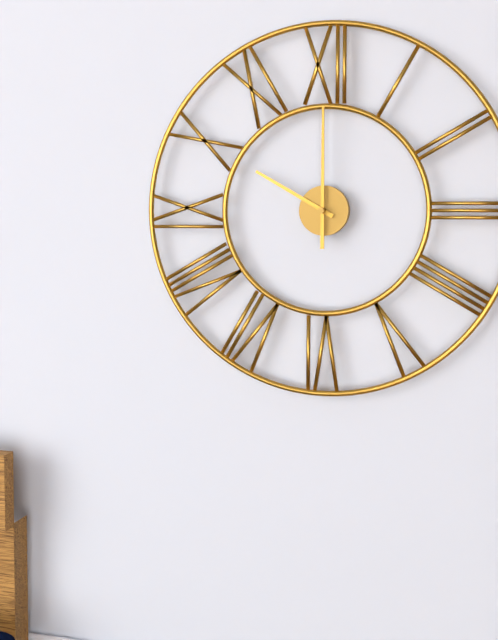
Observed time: 10:00
